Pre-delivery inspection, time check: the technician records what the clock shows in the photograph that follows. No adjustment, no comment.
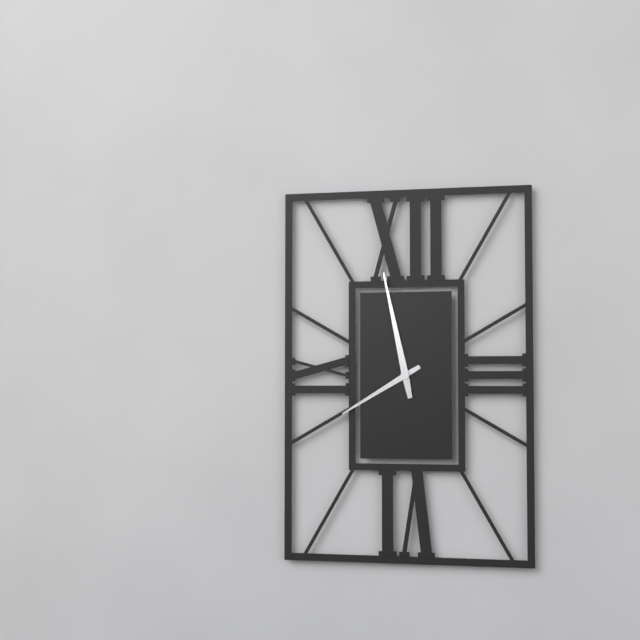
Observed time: 7:58
